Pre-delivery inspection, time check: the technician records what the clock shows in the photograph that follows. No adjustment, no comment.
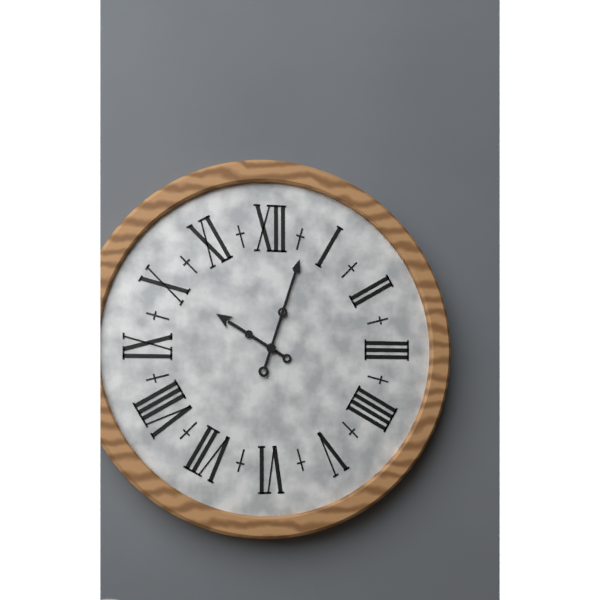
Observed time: 10:03
